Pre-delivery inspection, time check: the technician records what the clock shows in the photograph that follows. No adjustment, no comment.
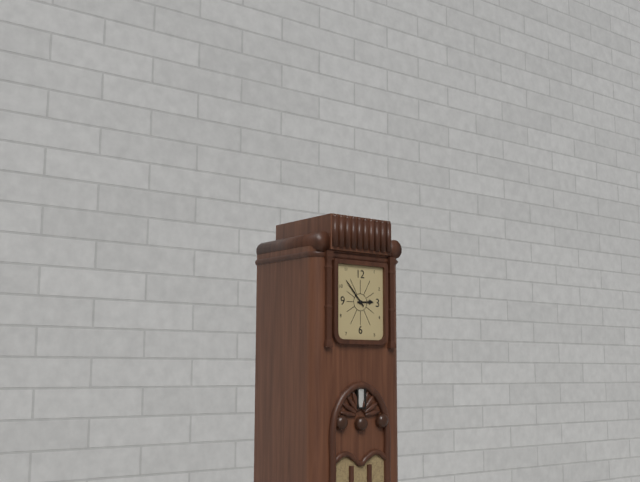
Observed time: 2:53
